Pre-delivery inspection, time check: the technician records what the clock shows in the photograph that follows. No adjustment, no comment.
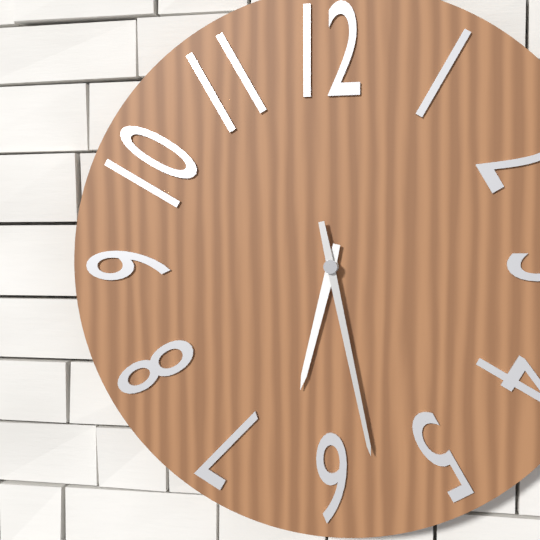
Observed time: 6:28
